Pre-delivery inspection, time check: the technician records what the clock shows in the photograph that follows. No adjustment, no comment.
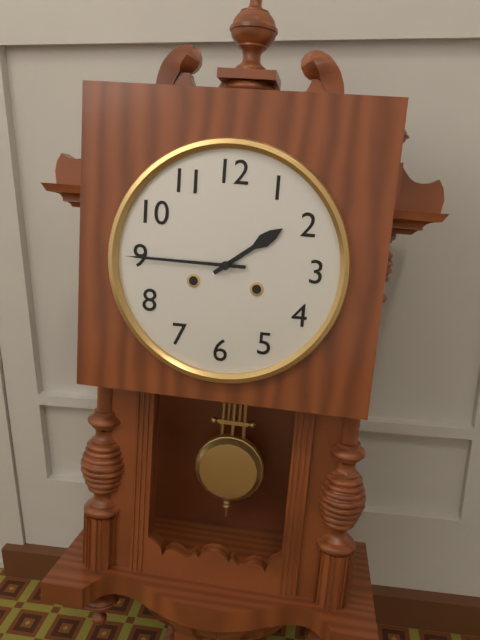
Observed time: 1:45
